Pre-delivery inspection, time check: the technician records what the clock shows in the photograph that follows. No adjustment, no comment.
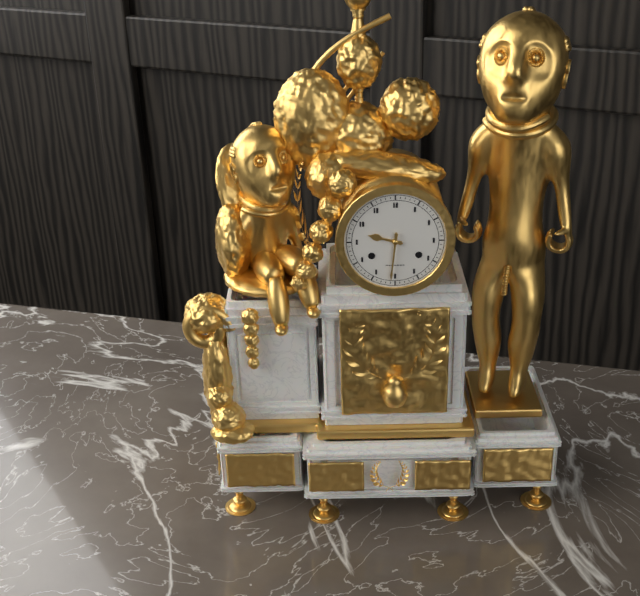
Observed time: 9:31
